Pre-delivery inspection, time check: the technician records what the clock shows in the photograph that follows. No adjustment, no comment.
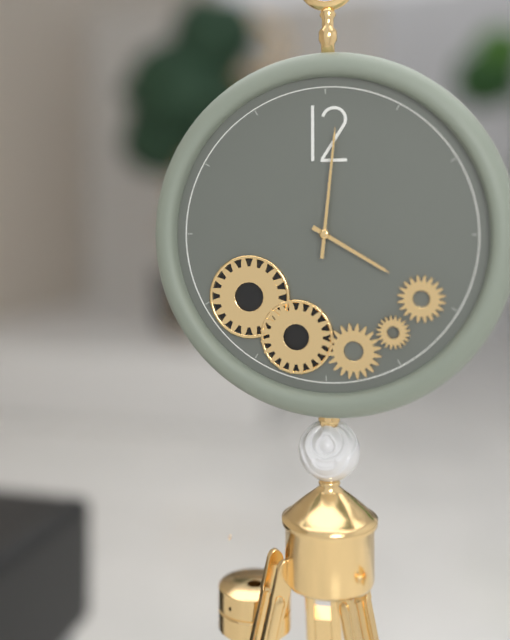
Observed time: 4:01
